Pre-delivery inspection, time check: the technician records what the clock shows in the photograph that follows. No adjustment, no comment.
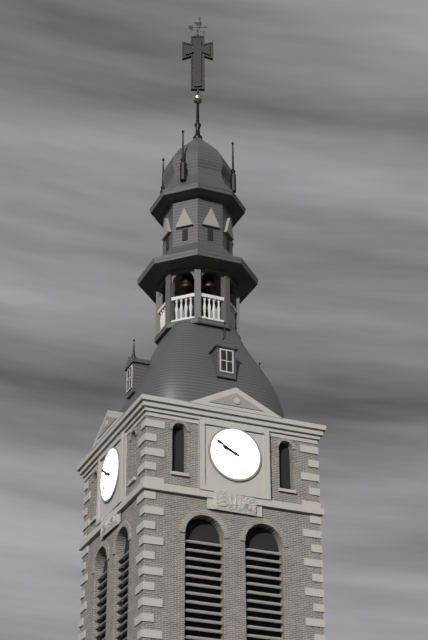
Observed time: 9:50
